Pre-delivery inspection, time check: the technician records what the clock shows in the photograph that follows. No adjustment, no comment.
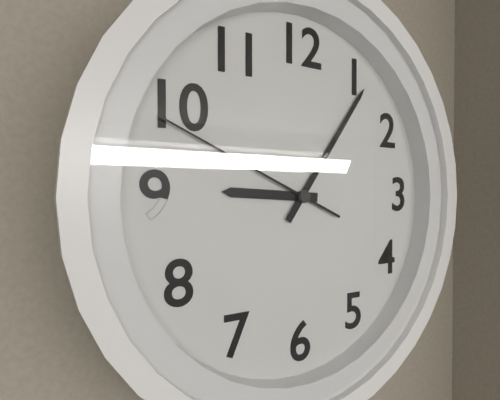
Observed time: 9:06:49
